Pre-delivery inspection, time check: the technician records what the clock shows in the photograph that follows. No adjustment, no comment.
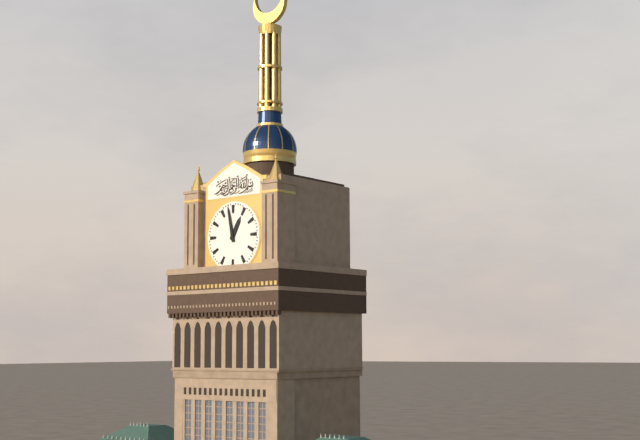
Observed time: 12:58
